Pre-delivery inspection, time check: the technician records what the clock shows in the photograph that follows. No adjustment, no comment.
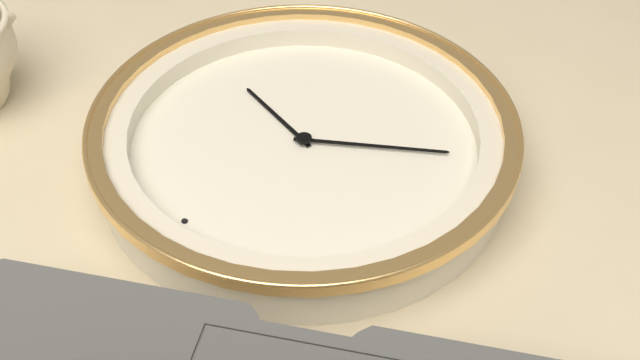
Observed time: 2:35
